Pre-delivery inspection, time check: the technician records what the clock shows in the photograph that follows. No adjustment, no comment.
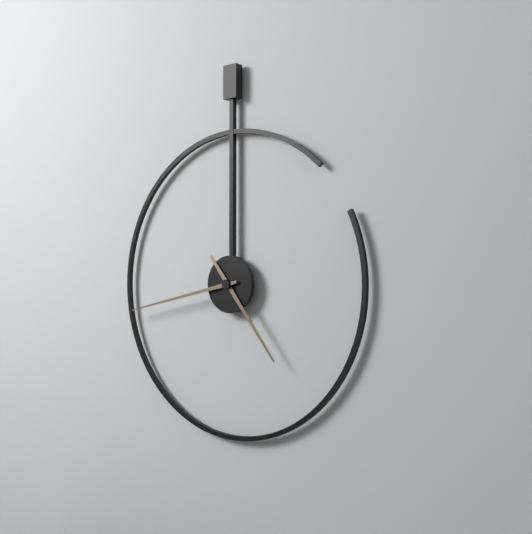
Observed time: 4:43
